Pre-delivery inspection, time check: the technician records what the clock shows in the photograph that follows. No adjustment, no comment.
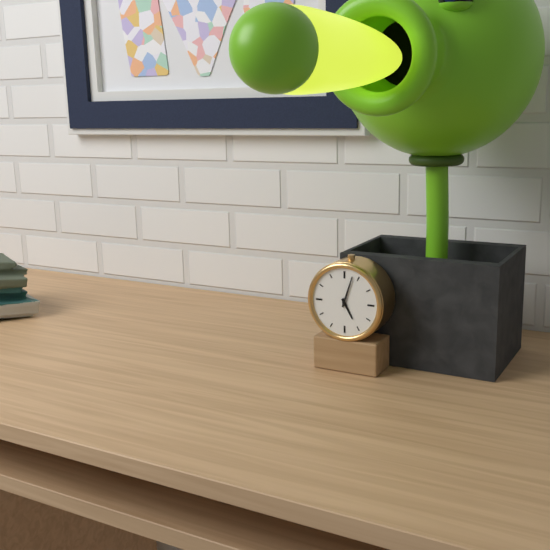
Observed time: 5:03
